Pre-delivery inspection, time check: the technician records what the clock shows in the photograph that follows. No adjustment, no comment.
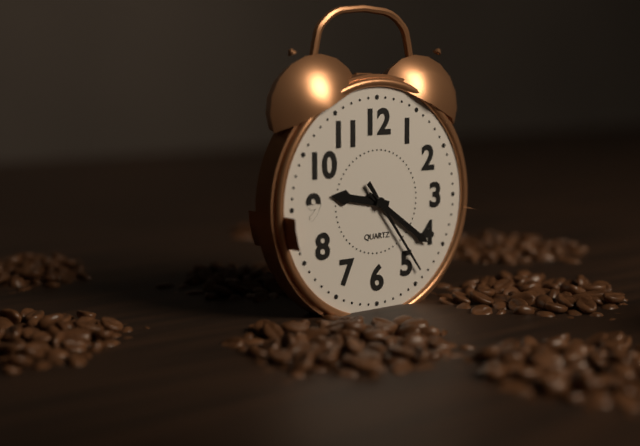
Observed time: 9:21:24
